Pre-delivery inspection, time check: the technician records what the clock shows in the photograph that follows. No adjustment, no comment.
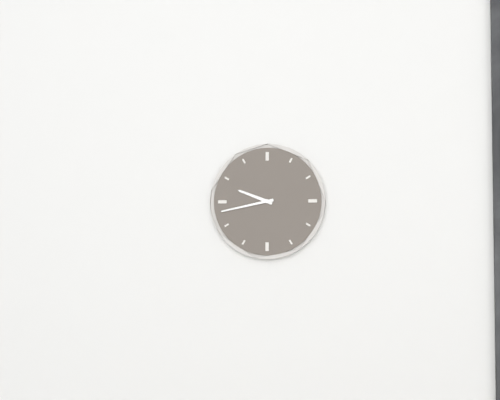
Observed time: 9:43
